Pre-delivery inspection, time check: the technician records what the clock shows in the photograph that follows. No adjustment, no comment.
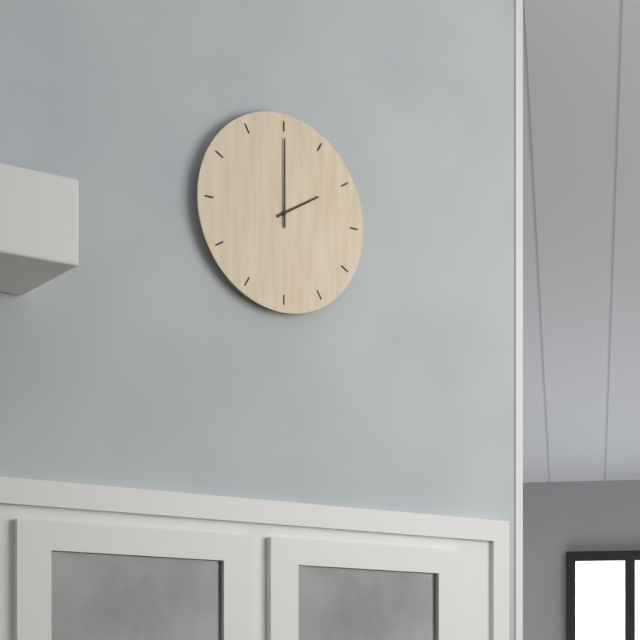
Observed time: 2:00
